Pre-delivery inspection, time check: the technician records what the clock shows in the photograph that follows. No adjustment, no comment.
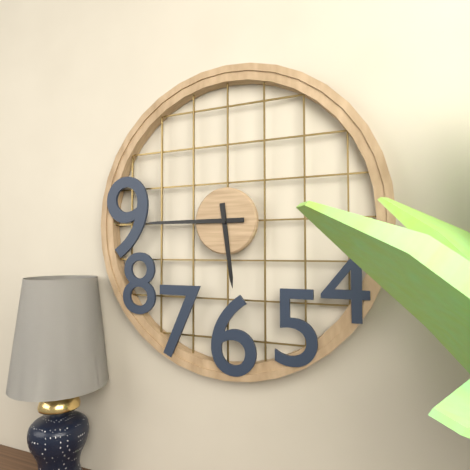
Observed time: 5:45
